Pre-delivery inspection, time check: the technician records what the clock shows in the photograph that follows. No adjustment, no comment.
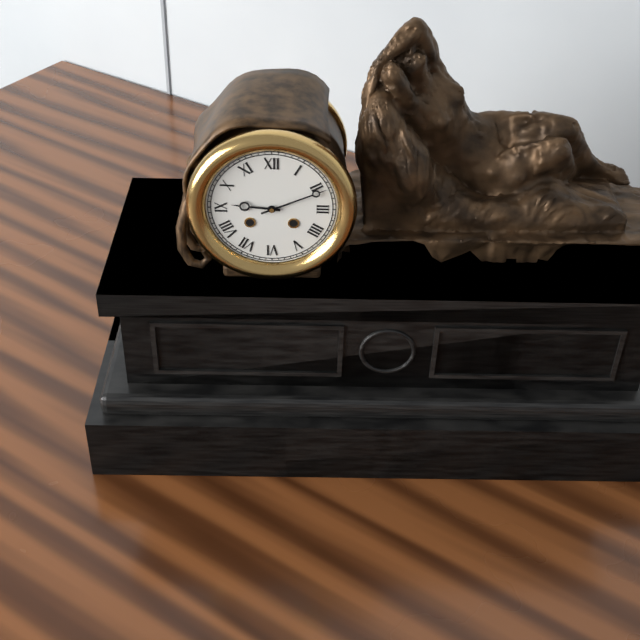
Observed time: 9:11
